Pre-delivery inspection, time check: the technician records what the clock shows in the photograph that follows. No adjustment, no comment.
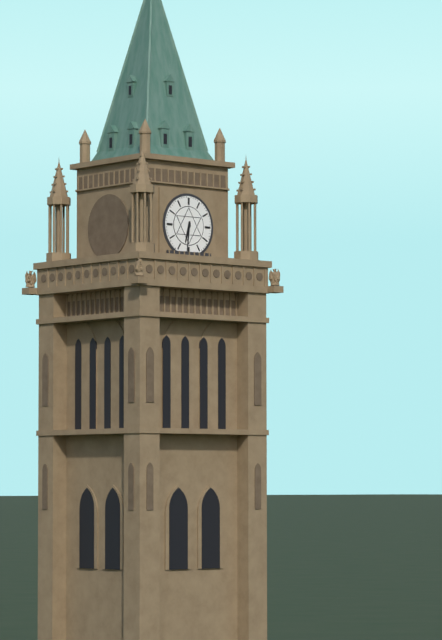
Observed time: 6:31
